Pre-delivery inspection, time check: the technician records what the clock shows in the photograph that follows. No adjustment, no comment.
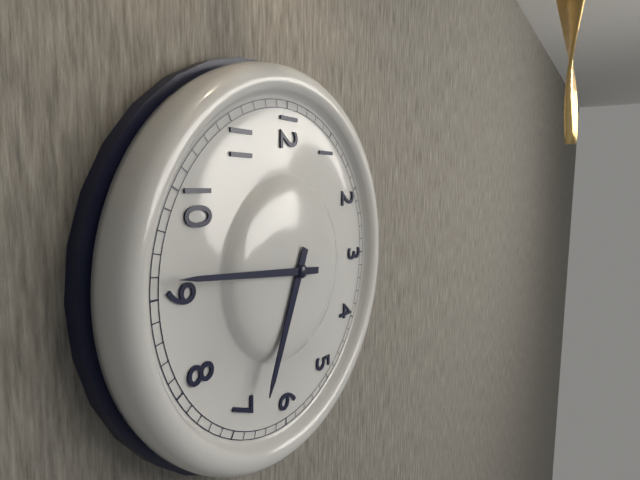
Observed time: 6:46
